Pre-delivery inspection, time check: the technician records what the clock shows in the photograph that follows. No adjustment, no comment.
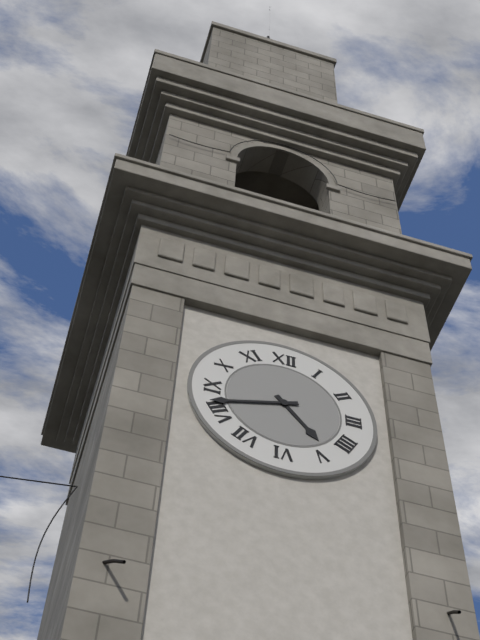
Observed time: 4:42
